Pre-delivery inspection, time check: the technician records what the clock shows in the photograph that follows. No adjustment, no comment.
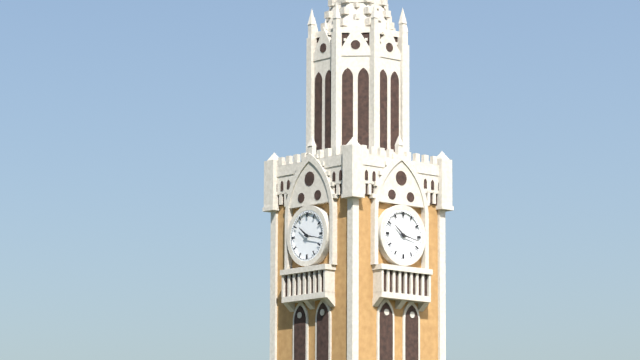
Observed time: 10:17
